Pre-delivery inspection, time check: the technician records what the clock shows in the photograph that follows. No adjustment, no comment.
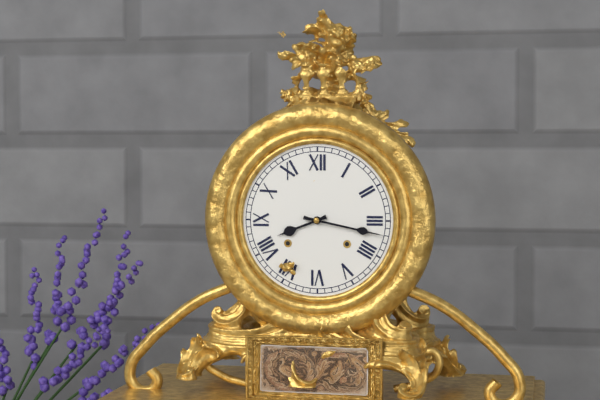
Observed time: 8:17
